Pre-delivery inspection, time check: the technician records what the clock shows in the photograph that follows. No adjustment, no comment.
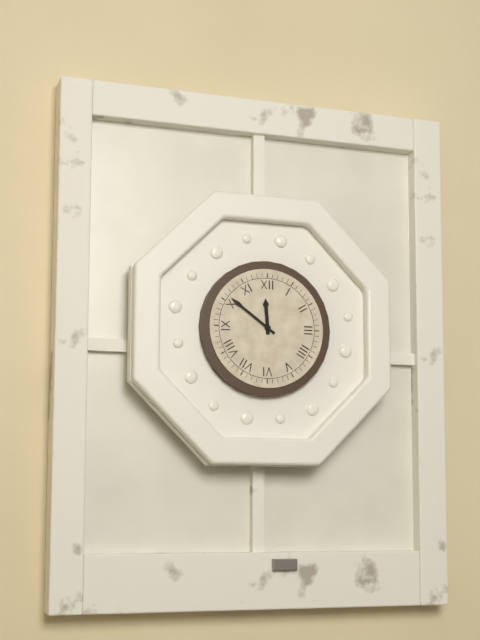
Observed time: 11:51
